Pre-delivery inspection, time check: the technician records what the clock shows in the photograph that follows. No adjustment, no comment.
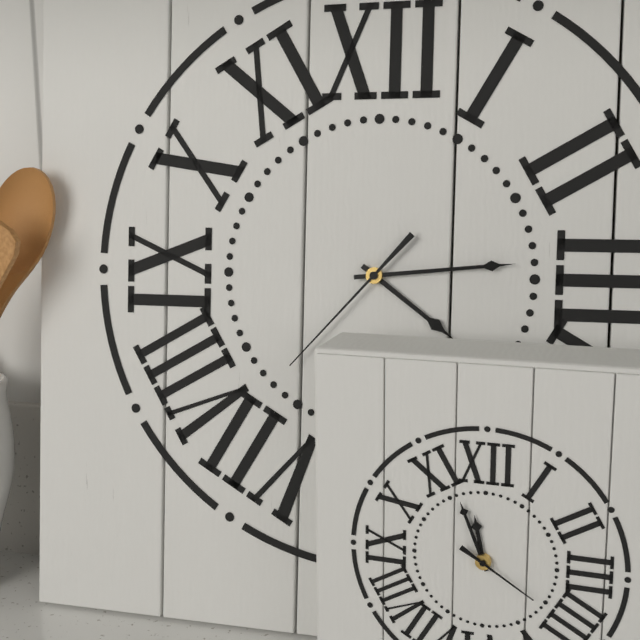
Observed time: 4:14:37
